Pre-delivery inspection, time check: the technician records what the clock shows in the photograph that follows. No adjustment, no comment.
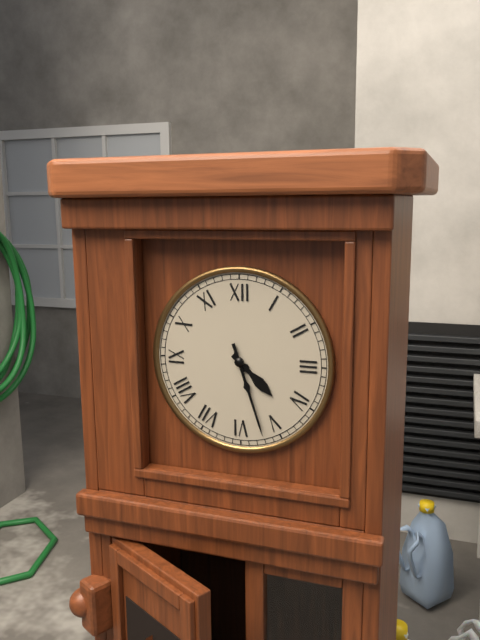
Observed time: 4:27
